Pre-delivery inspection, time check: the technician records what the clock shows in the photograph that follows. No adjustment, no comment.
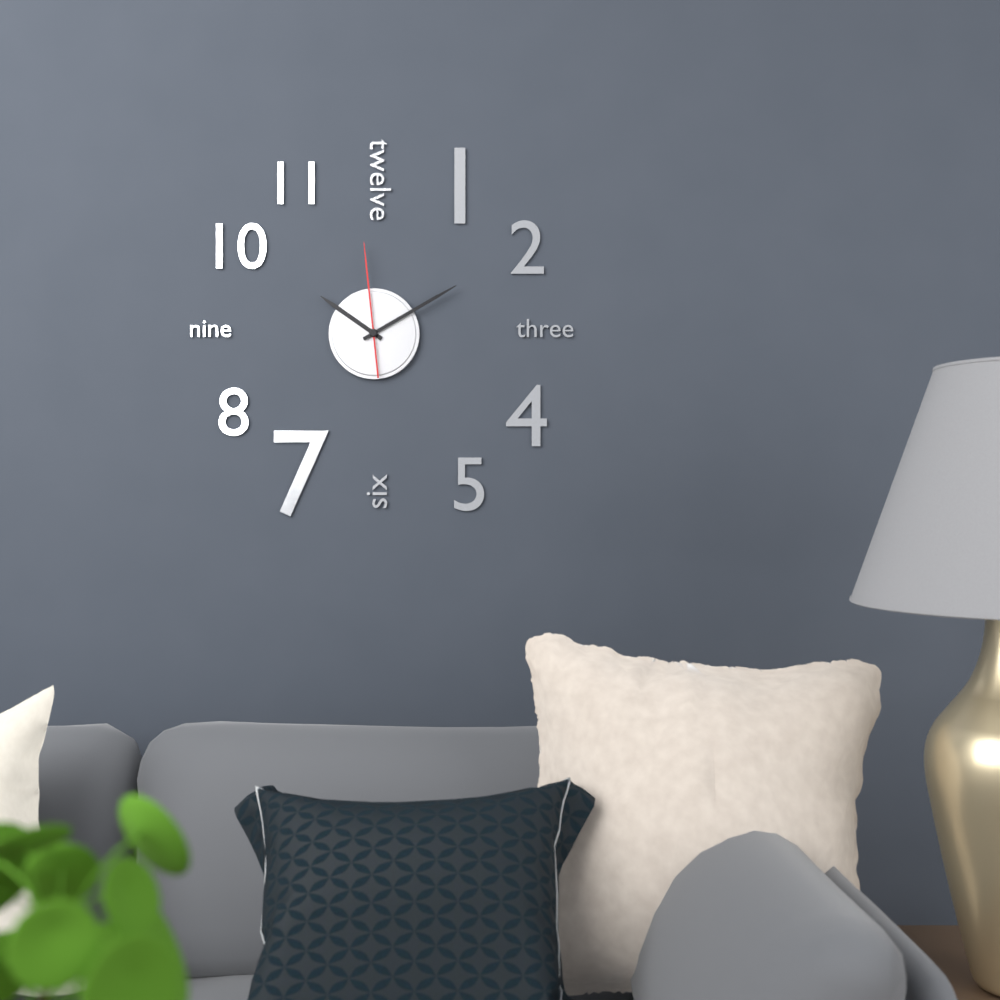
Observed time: 10:10:59
